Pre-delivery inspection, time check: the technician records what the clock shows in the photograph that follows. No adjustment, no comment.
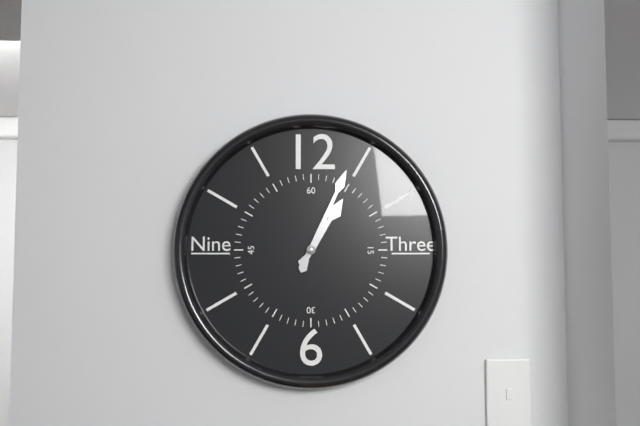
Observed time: 1:04
